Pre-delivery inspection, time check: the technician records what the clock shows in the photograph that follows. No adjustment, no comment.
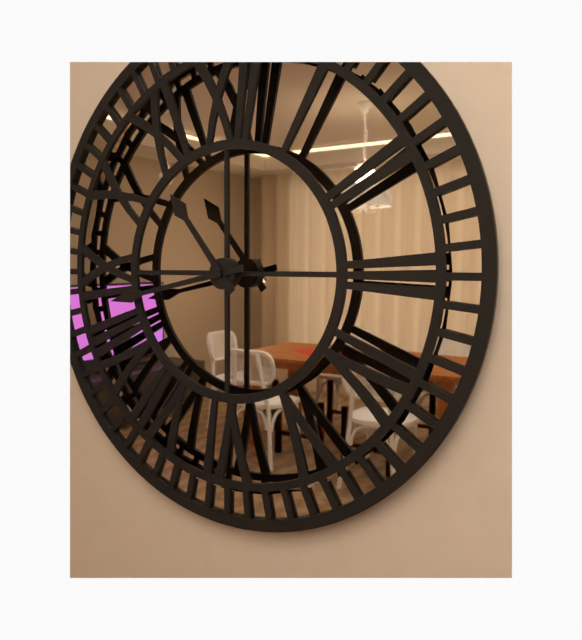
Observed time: 10:43
